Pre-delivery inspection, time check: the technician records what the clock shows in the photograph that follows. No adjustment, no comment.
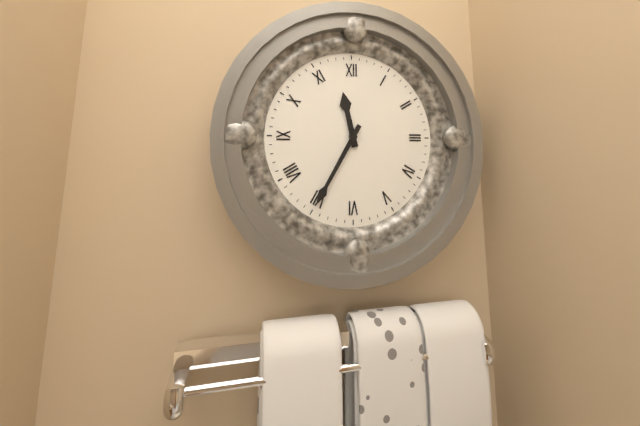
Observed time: 11:35
